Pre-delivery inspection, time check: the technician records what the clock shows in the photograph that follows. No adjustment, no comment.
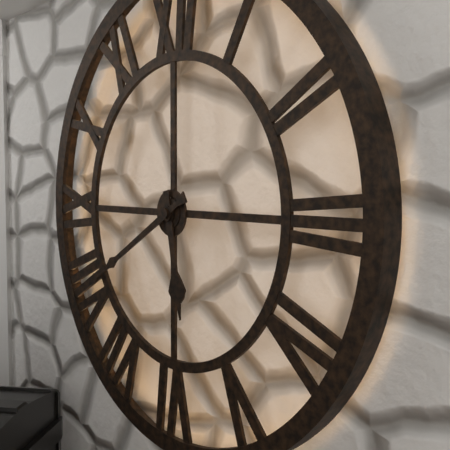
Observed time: 5:40
